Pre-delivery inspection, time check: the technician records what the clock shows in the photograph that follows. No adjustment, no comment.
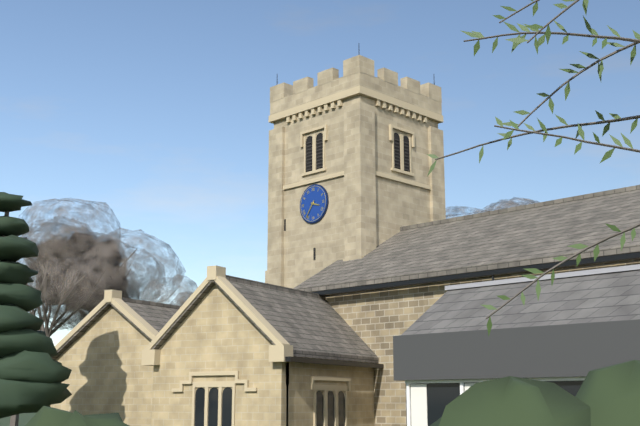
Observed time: 3:36
